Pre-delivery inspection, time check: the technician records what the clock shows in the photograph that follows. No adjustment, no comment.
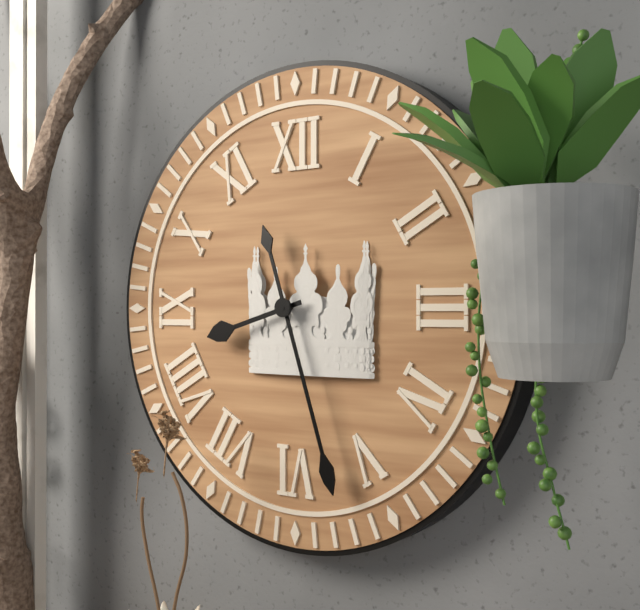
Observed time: 8:27
